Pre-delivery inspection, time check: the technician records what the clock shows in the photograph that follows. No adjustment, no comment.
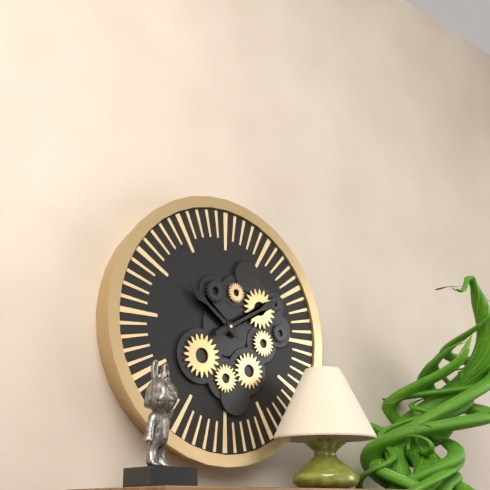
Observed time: 10:10
